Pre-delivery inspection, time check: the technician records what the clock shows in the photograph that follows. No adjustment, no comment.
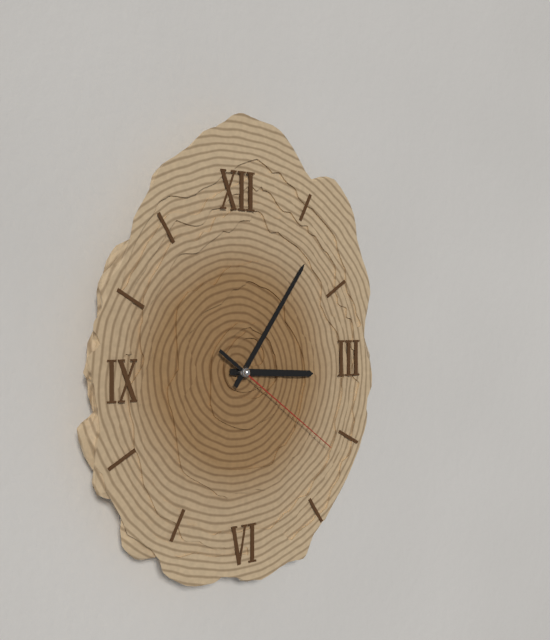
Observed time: 3:06:21
